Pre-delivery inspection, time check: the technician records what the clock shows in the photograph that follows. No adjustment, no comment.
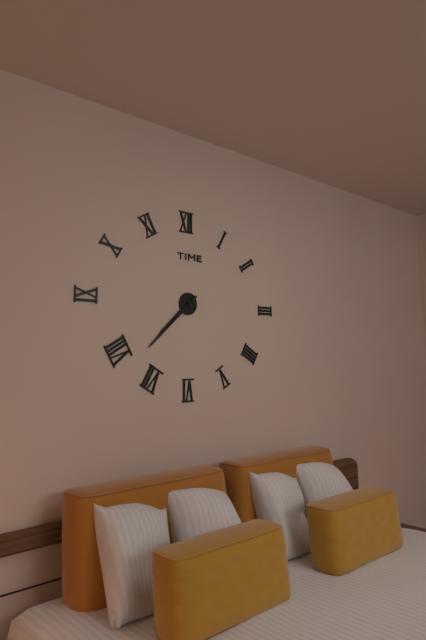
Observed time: 7:38
